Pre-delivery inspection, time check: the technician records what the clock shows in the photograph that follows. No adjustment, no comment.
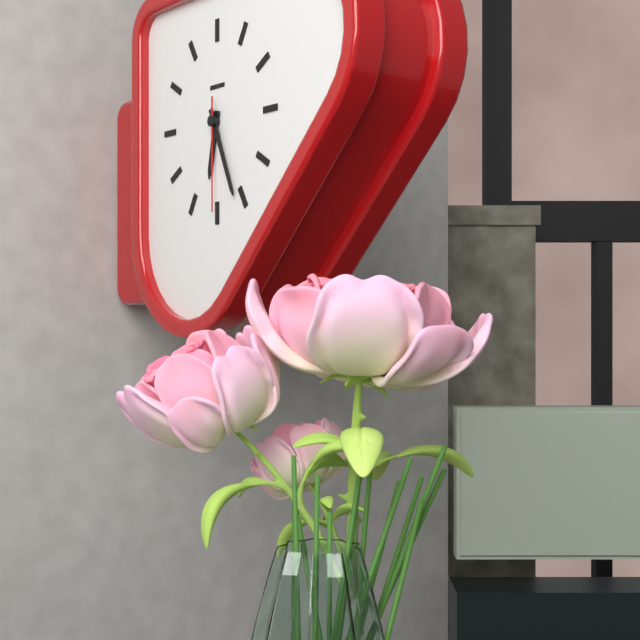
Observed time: 6:26:30
